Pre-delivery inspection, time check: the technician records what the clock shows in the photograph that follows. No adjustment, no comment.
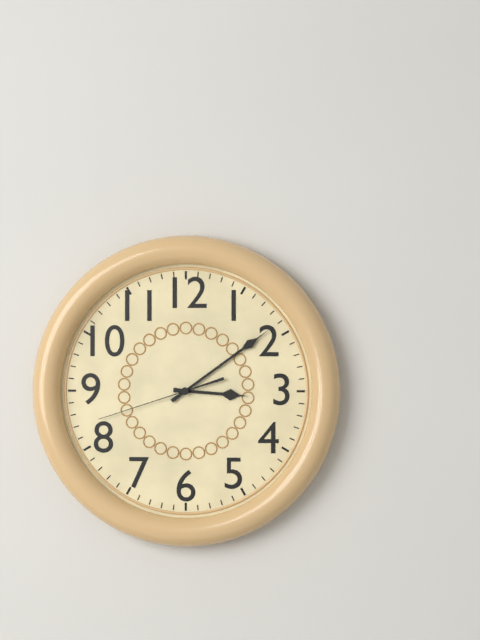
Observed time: 3:09:42
